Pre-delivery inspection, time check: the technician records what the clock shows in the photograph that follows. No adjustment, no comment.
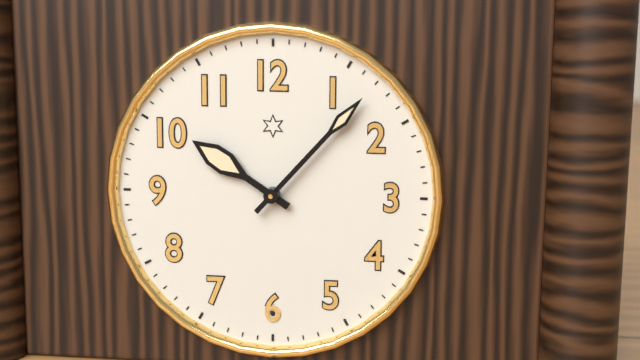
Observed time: 10:07
